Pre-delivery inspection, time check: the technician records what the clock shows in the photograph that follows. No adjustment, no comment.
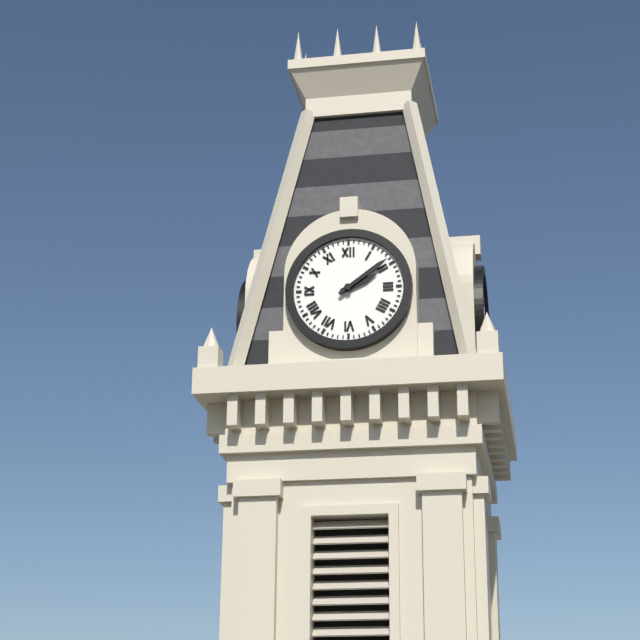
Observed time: 2:09
